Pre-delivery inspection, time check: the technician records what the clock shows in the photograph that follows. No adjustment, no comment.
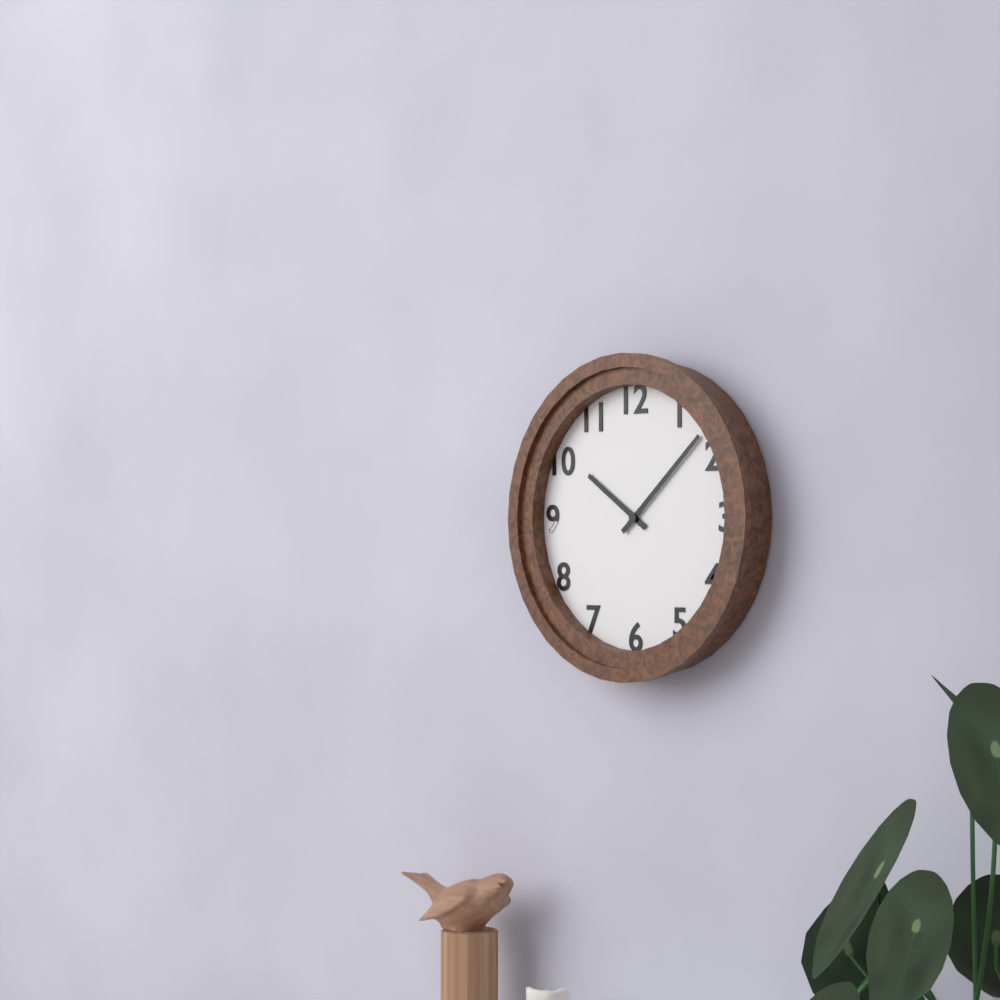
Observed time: 10:08
